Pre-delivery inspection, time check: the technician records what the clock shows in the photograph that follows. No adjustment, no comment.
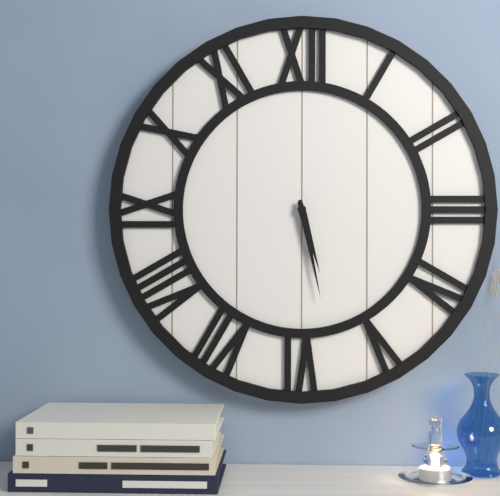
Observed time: 5:28
